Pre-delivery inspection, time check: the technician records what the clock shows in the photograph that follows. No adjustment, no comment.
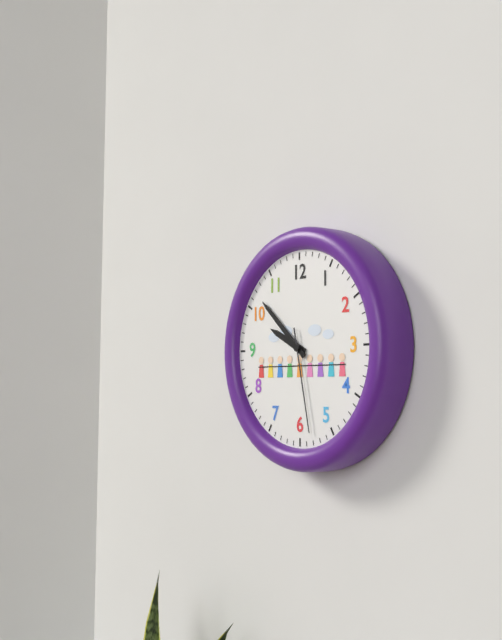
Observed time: 9:52:28
